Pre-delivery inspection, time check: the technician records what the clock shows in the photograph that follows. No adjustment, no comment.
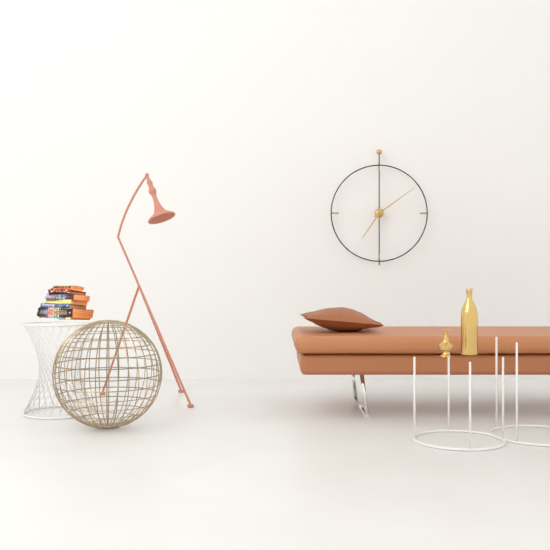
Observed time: 7:09
